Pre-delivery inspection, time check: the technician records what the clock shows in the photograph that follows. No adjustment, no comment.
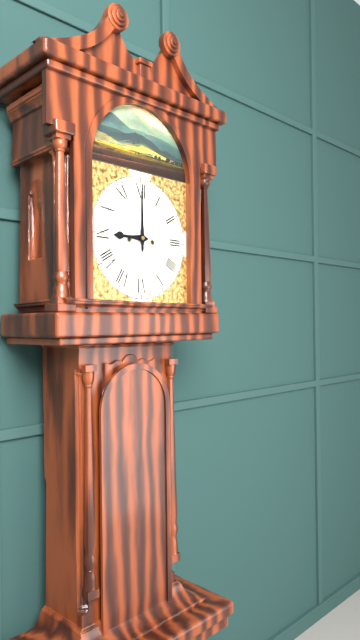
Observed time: 9:00
